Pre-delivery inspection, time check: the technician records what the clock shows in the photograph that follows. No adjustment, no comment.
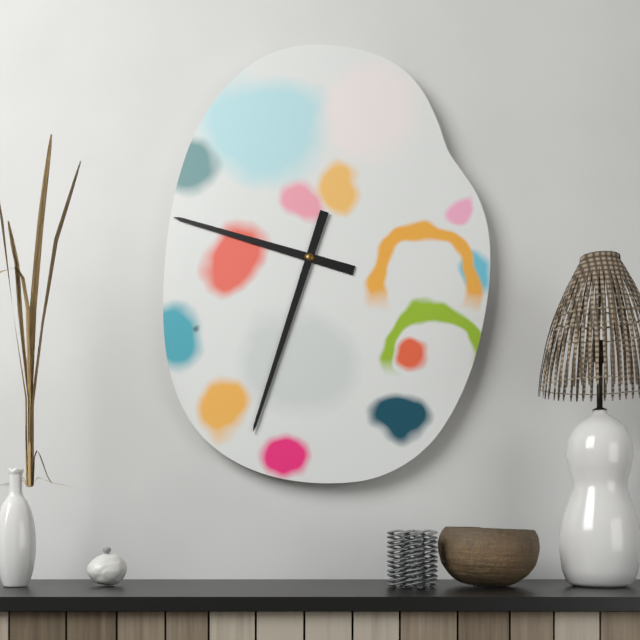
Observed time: 9:33
